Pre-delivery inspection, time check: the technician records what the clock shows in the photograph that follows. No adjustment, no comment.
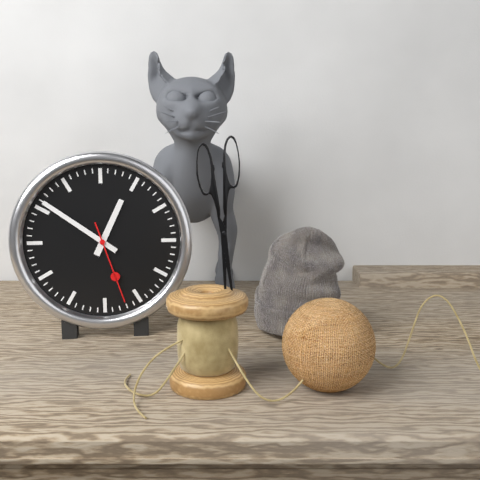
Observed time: 12:51:27
